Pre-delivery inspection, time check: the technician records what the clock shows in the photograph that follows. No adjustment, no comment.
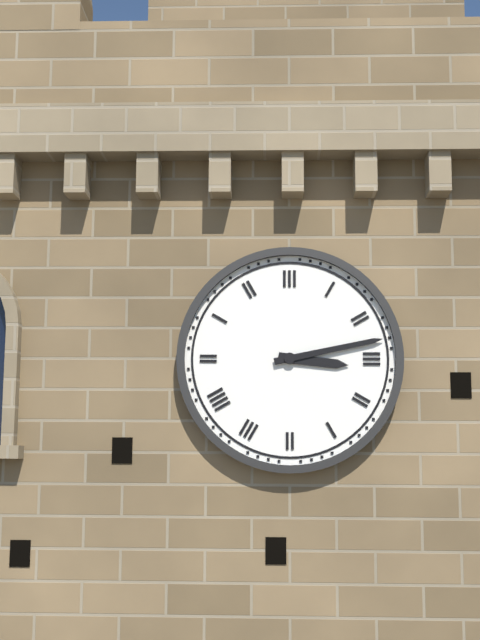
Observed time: 3:13
